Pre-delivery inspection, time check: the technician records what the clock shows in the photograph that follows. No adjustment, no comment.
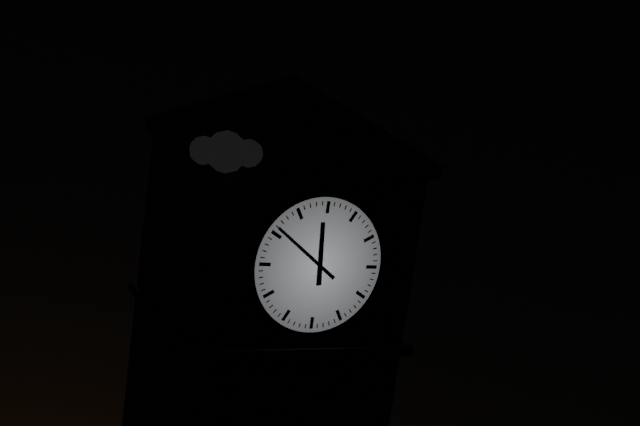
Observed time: 11:51
